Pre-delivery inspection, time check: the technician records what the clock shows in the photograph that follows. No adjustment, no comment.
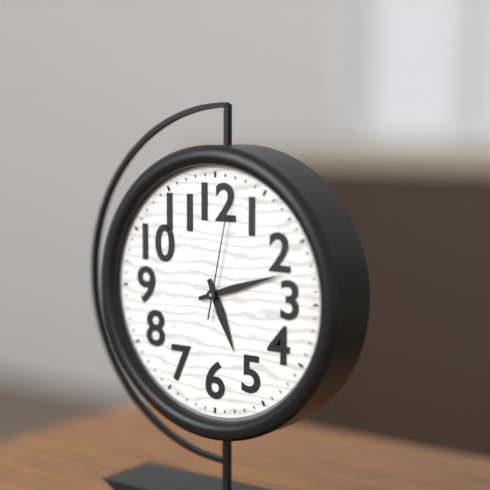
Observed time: 5:12:02
